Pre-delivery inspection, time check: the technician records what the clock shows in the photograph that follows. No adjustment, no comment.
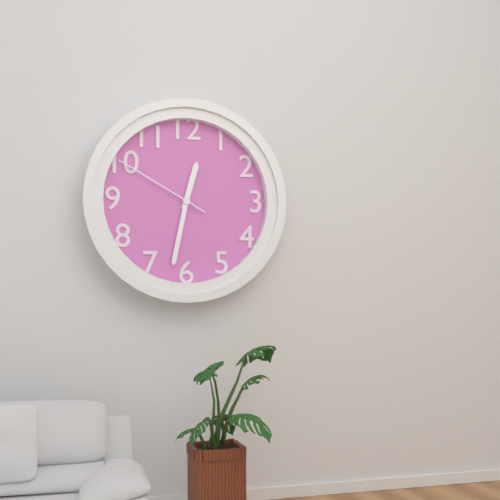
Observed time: 12:32:50
